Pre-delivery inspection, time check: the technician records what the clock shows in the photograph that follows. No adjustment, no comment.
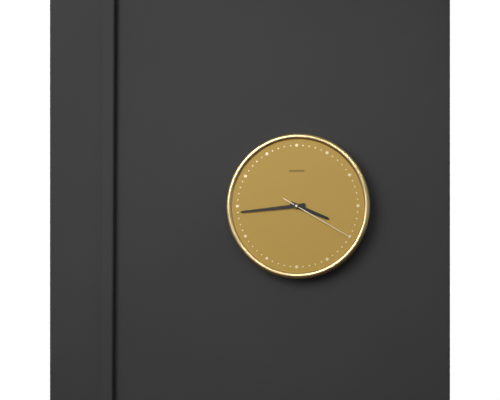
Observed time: 3:44:20
